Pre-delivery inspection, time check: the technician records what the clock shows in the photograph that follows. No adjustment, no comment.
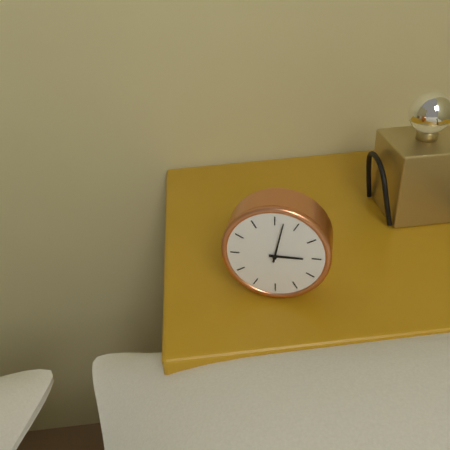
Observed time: 3:02
